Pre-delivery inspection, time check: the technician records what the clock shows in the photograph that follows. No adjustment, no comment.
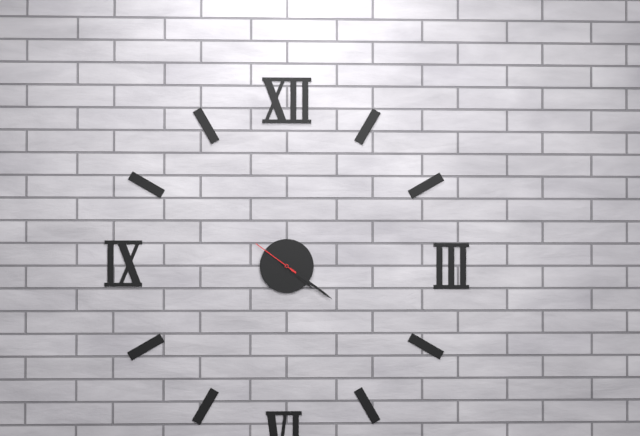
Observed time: 4:21
